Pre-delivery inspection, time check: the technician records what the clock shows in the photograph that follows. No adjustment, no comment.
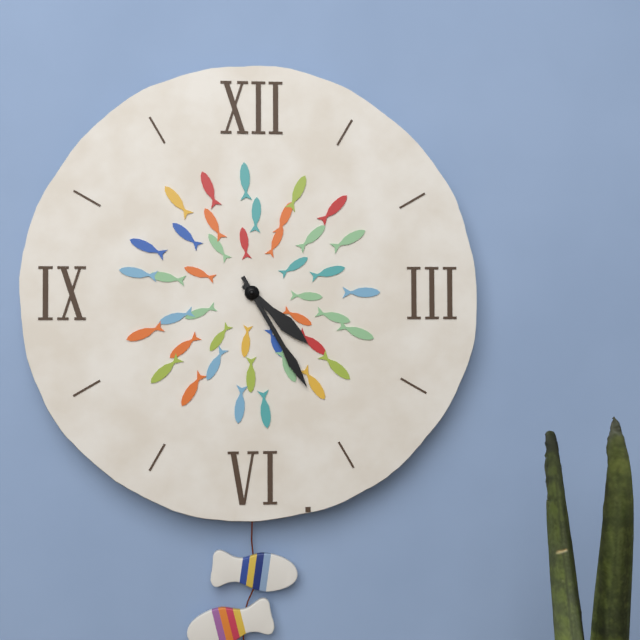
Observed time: 4:25
